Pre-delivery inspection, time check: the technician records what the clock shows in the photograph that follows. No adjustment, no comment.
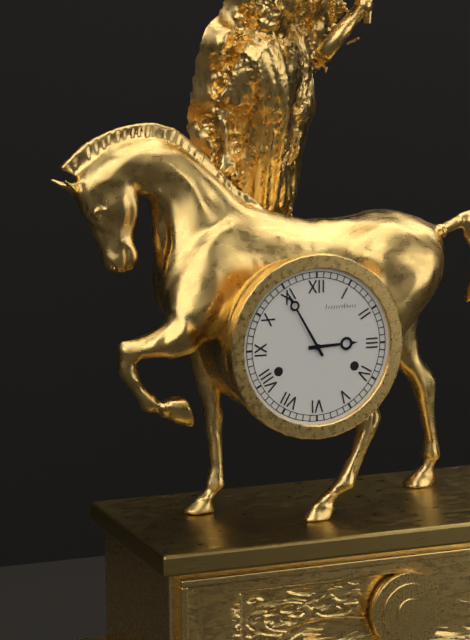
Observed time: 2:55
